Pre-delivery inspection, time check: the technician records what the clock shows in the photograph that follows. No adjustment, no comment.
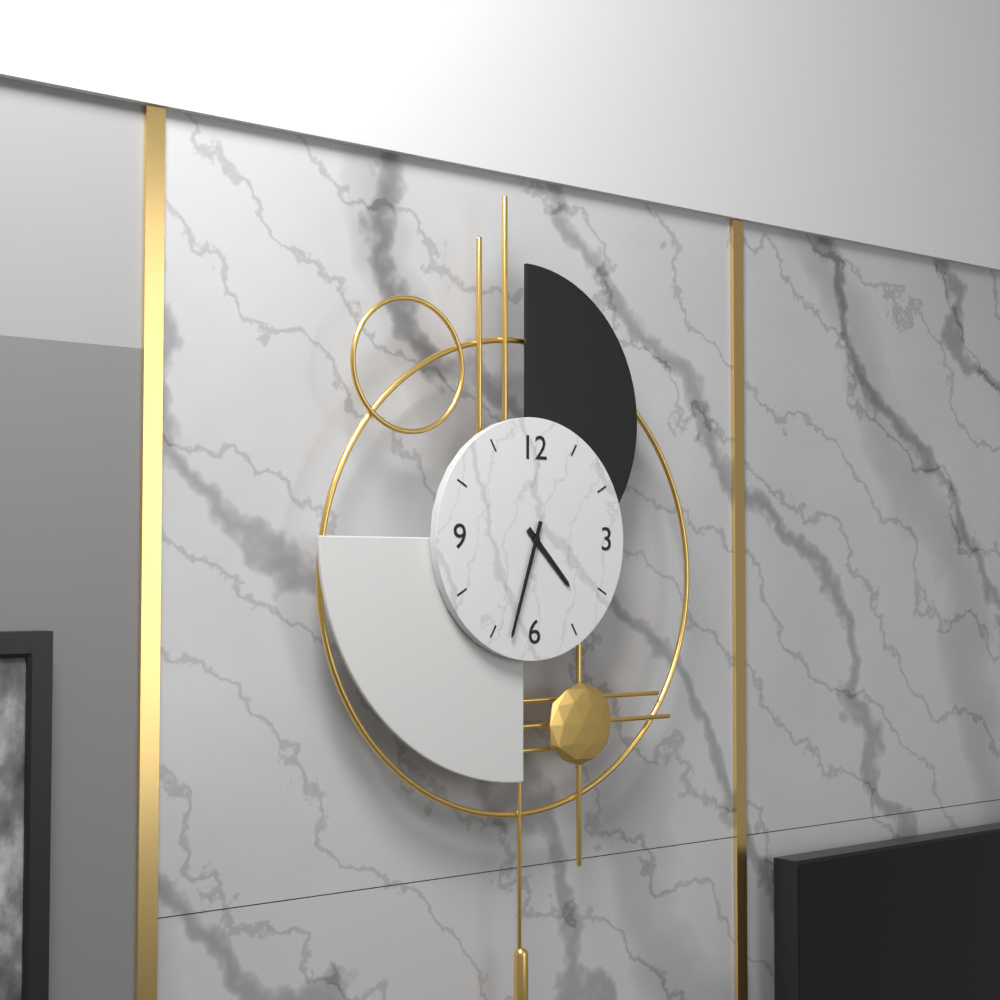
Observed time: 4:33
